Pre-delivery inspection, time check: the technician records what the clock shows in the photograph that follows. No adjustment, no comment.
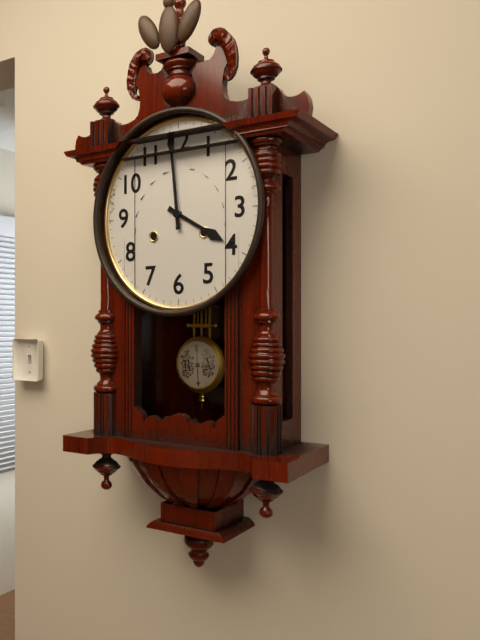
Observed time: 3:59
